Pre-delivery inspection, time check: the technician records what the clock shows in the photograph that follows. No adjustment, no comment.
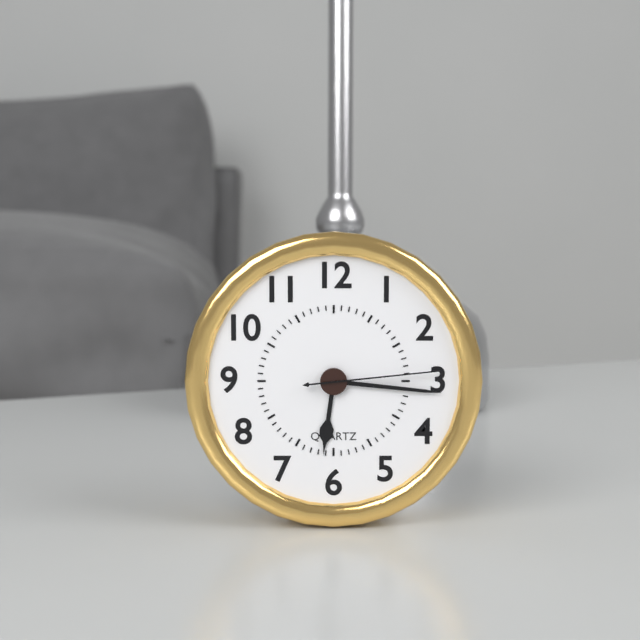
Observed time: 6:16:14
